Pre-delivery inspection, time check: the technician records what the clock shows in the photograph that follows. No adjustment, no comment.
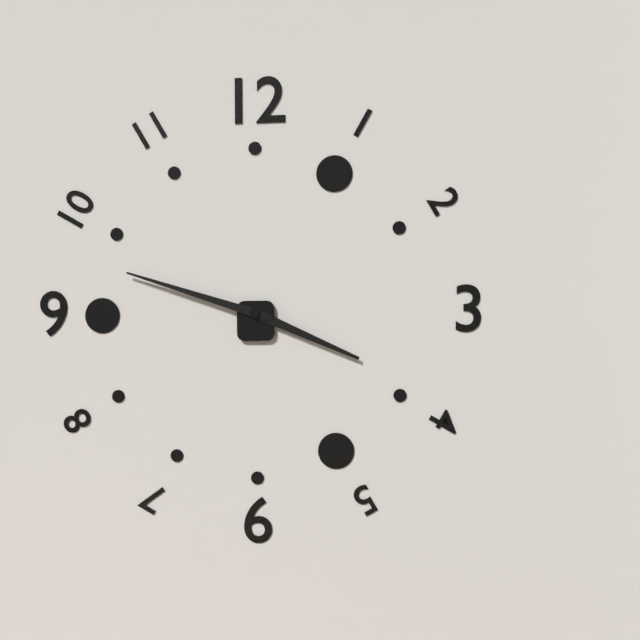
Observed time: 3:48
